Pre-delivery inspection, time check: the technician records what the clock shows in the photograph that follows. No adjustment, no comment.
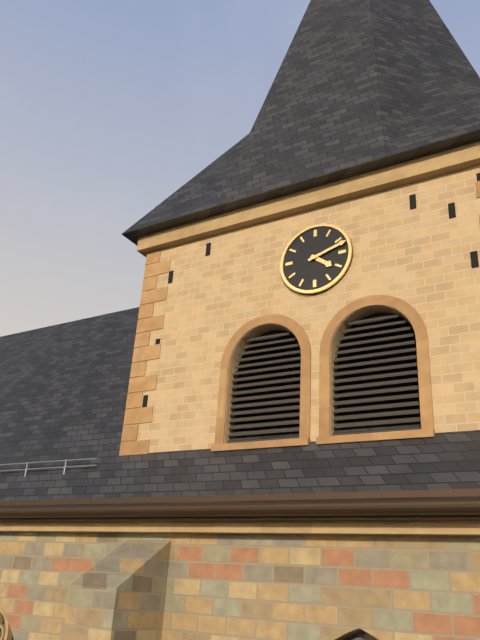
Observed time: 4:12
